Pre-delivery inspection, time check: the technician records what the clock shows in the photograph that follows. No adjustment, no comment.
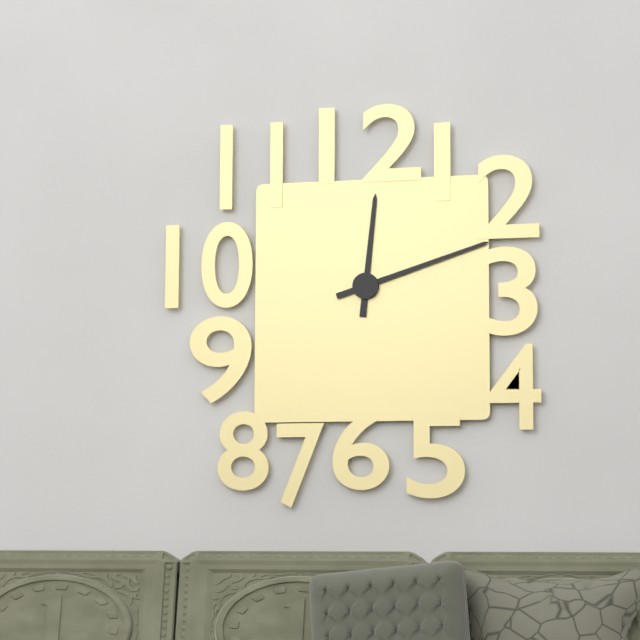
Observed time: 12:12
